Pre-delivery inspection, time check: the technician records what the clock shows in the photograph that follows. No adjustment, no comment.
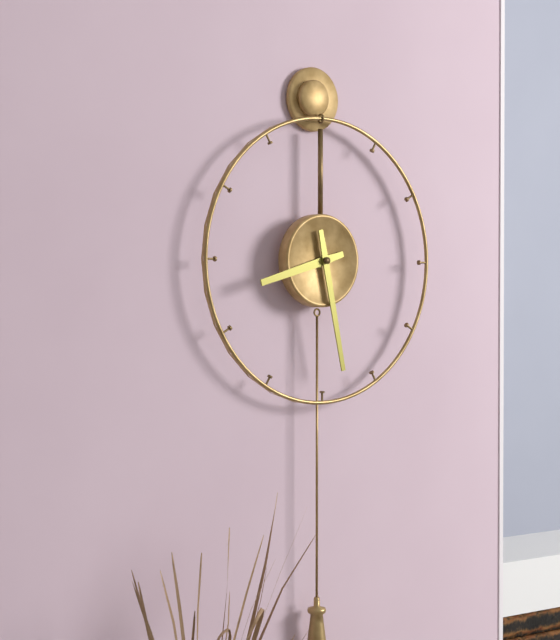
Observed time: 8:28
